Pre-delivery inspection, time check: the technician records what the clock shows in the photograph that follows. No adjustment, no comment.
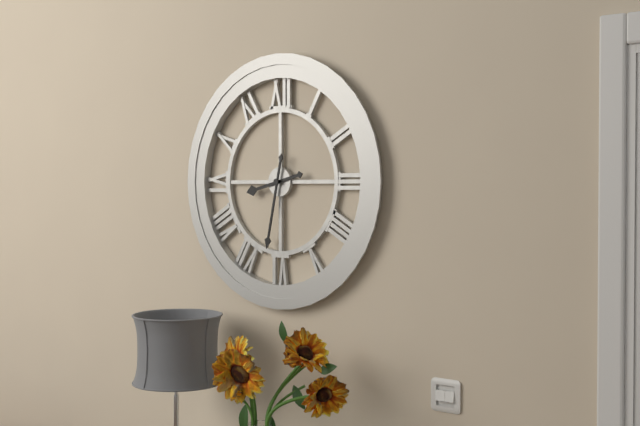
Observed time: 8:32
